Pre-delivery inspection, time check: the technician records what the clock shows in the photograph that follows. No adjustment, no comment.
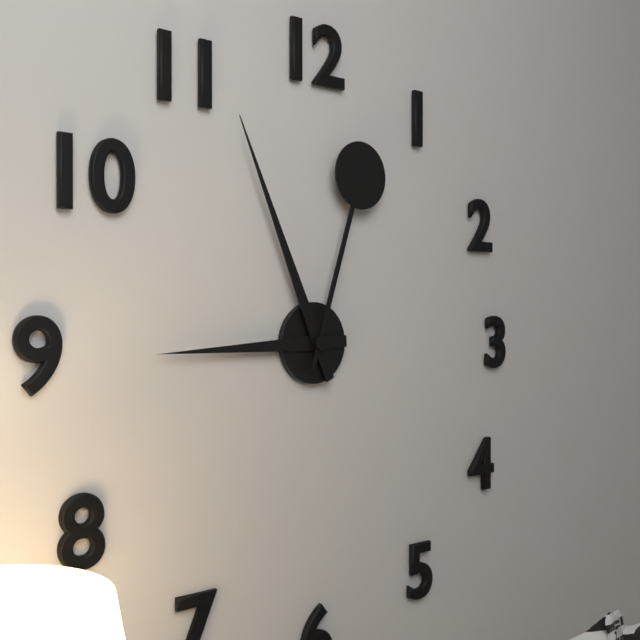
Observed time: 8:56:03
